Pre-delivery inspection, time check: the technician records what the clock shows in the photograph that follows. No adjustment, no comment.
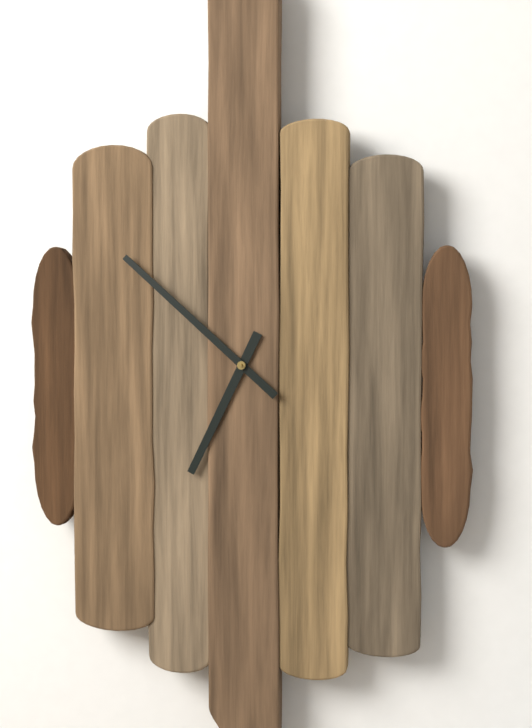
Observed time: 6:52
